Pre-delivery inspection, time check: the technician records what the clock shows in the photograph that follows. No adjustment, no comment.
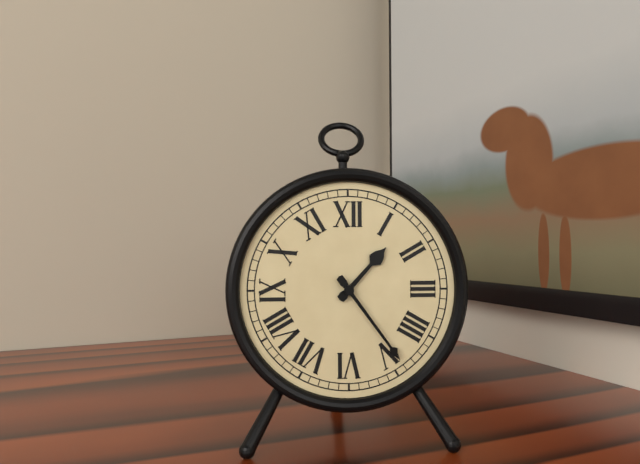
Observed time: 1:24
